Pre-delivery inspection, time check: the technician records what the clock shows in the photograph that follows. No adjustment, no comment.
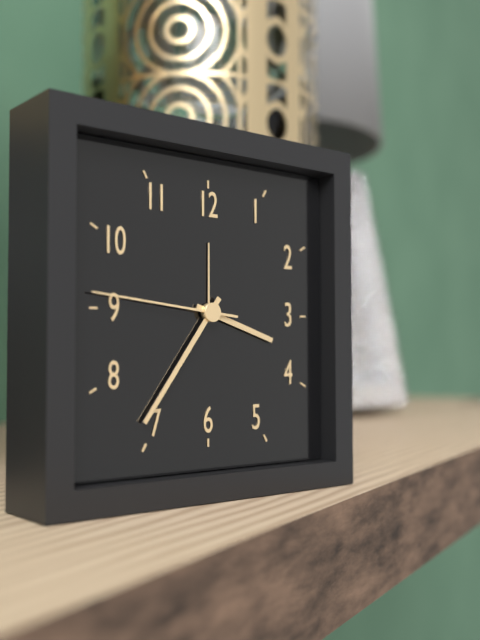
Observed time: 3:36:46
